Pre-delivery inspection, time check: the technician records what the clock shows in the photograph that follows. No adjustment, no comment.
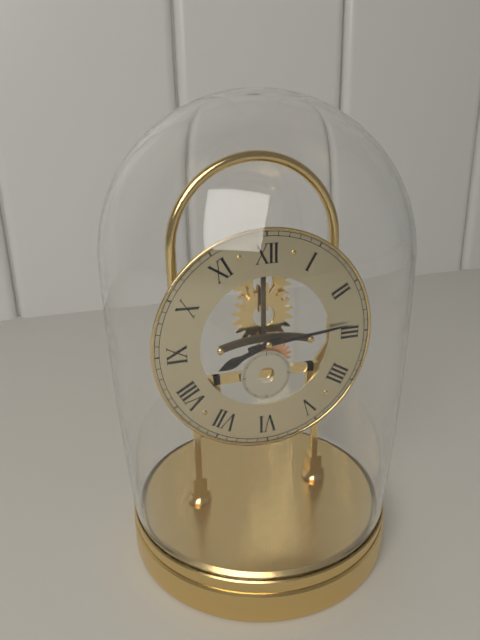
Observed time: 8:14
